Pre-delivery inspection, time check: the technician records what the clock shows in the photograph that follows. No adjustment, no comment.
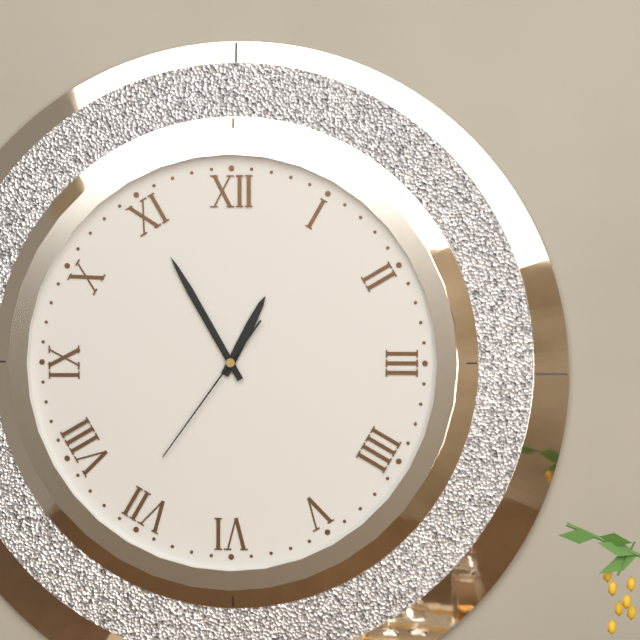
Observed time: 12:55:36
